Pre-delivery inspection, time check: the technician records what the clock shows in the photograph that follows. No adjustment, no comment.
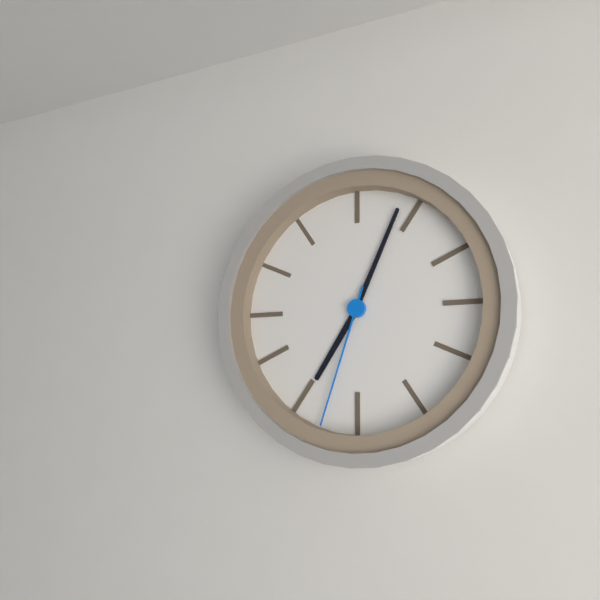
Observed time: 7:04:33
